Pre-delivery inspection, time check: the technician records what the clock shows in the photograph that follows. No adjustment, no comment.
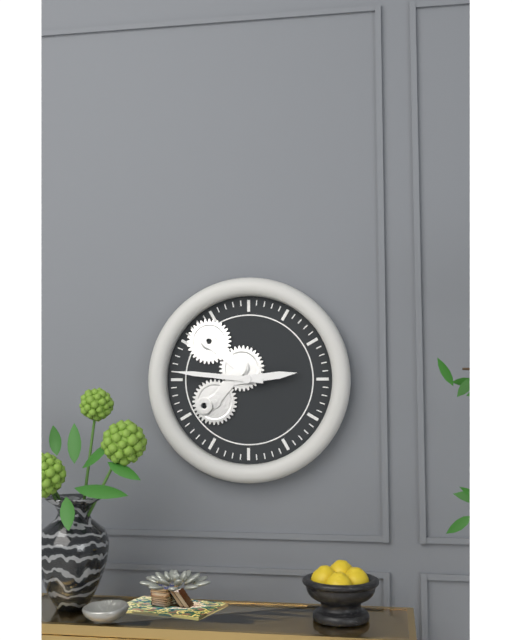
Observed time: 2:46
